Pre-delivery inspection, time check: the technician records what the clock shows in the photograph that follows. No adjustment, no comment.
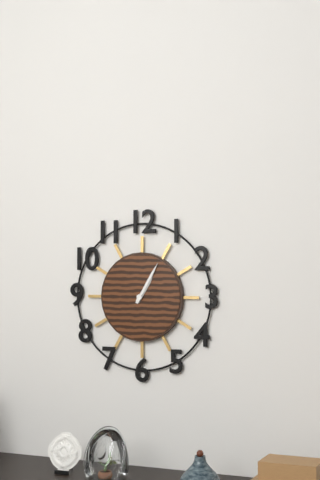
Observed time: 1:05
